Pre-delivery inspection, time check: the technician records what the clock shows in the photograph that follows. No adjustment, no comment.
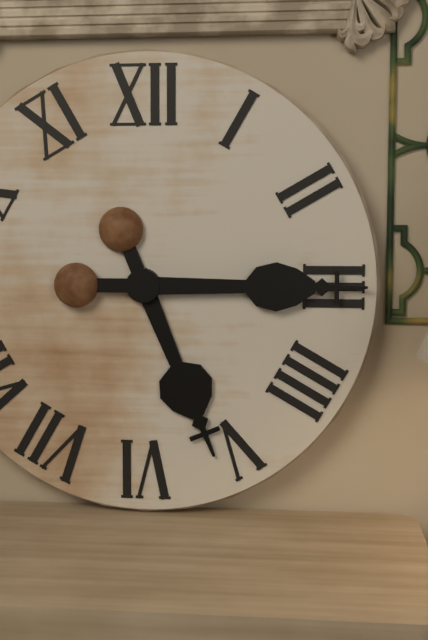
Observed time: 5:15
